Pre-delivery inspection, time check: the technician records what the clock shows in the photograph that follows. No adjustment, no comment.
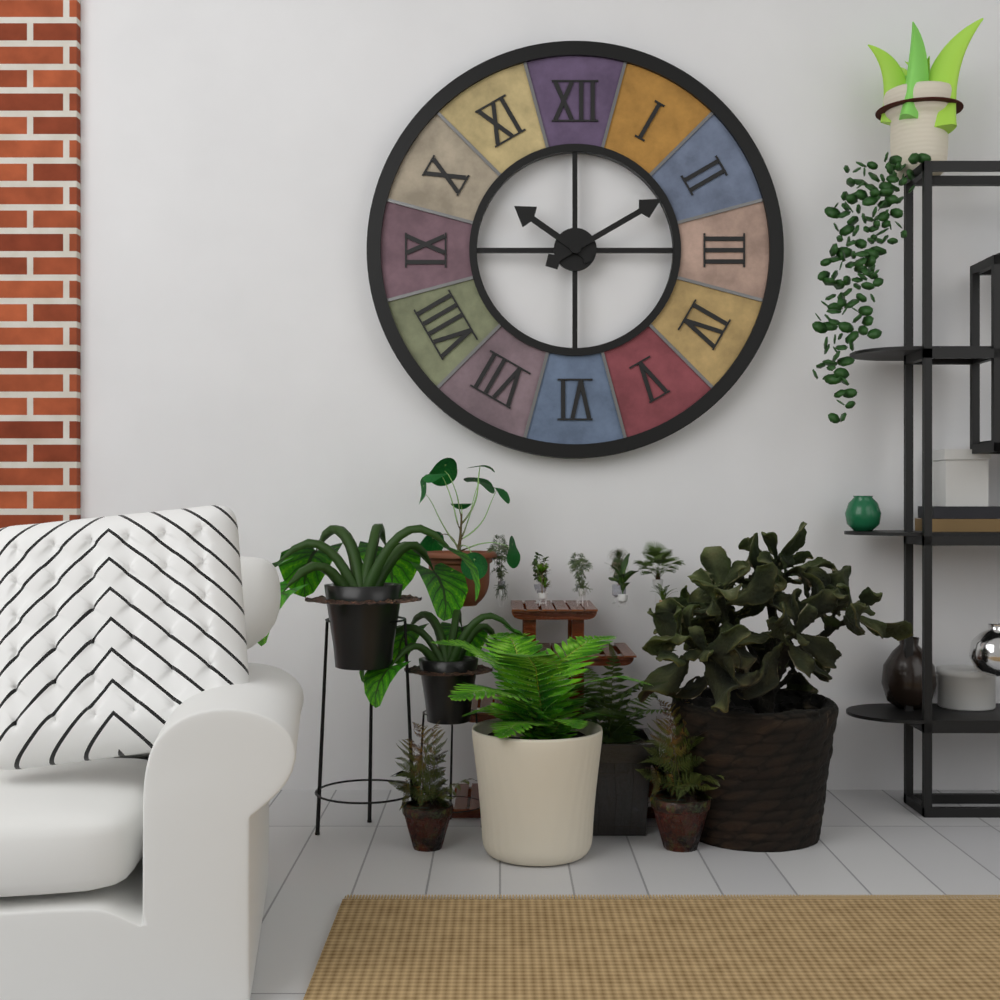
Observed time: 10:10
